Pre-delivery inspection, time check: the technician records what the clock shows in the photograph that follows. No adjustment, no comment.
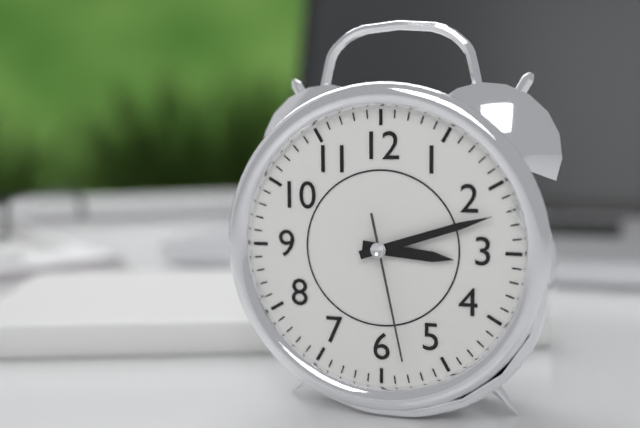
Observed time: 3:12:28
